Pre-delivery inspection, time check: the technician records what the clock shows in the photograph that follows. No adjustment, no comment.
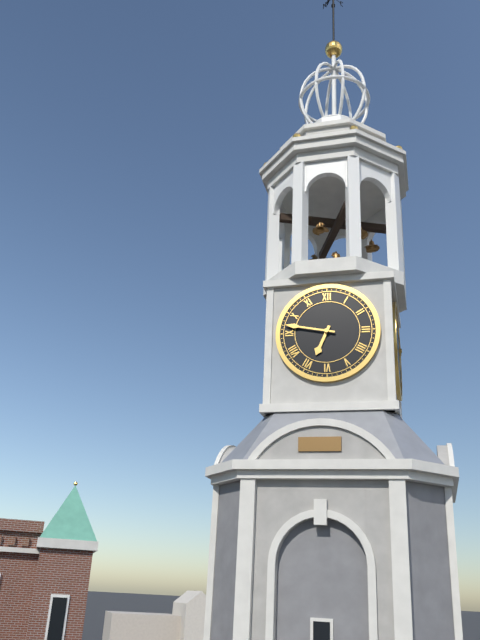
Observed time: 6:47
